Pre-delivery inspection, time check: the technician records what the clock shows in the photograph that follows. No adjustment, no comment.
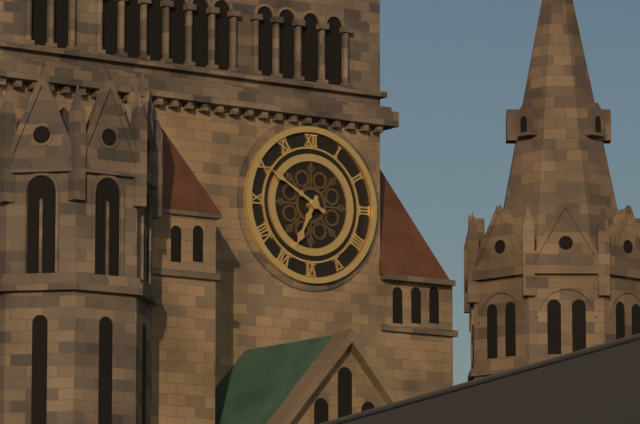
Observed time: 6:50
